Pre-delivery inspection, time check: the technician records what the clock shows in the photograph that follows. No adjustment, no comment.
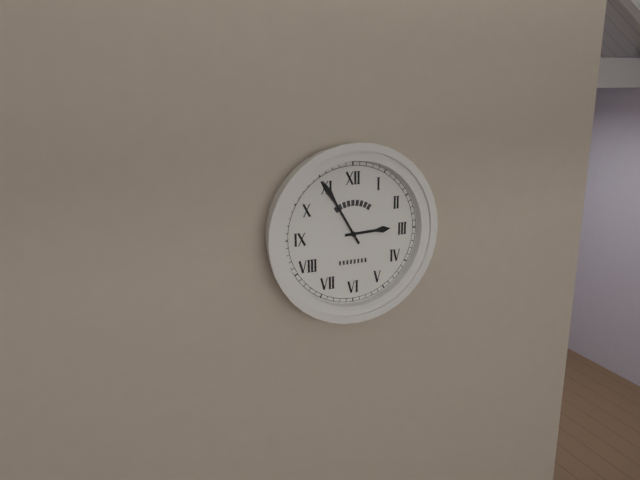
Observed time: 2:55
